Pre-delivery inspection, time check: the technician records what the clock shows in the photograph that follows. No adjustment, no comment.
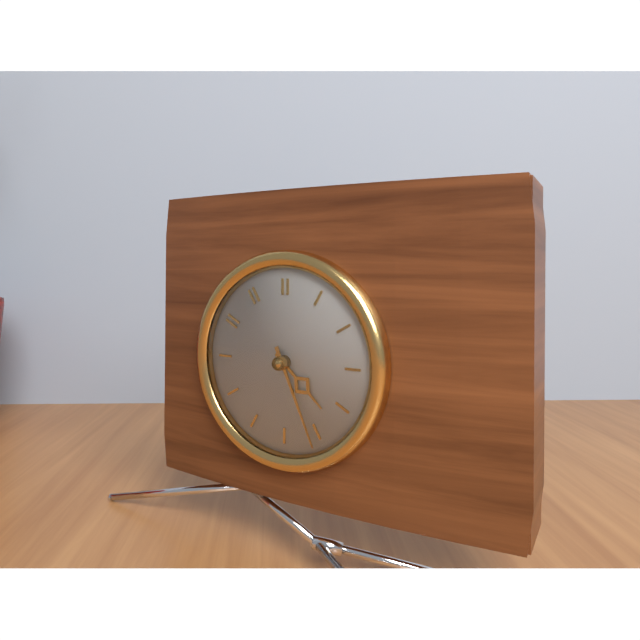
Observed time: 4:26
